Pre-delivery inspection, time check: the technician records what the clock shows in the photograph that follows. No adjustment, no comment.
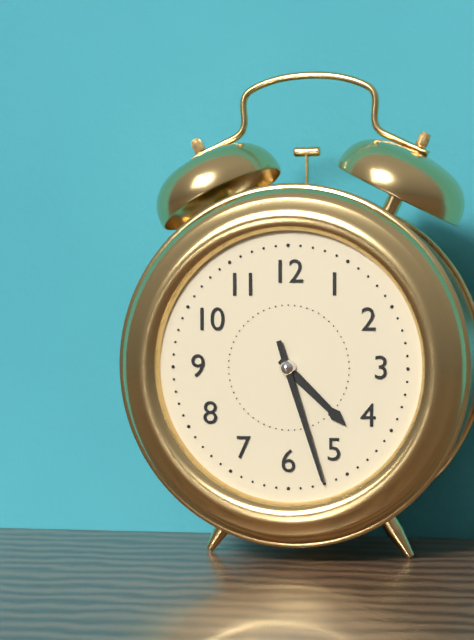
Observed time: 4:27
